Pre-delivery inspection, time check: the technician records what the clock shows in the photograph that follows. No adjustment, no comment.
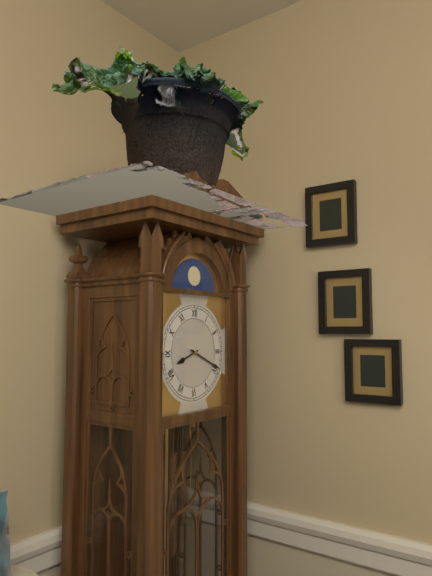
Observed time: 8:19
